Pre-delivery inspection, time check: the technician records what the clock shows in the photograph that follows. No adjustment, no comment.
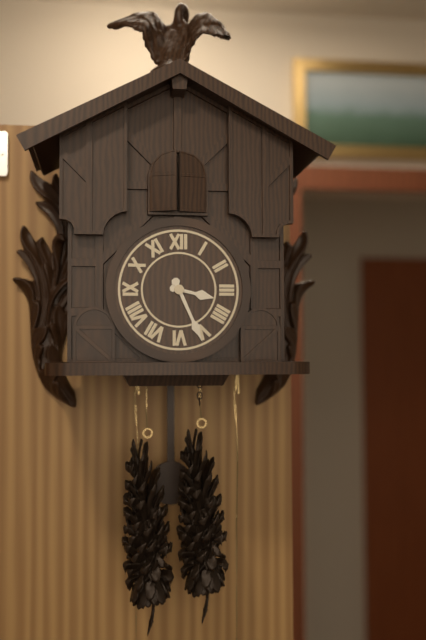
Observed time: 3:26
